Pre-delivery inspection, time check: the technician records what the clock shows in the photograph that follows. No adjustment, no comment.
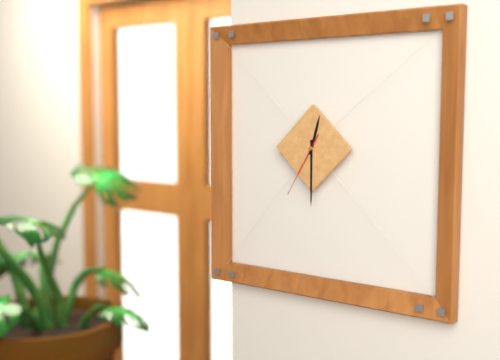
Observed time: 12:30:35
